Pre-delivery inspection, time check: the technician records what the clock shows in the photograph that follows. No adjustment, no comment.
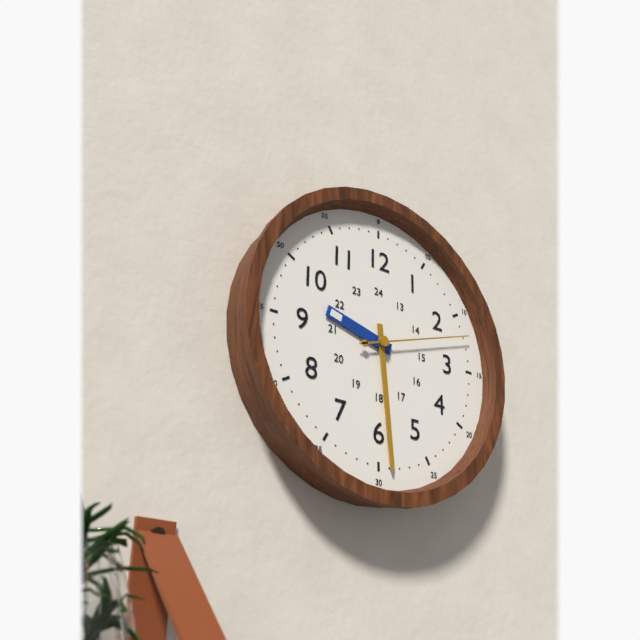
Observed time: 9:29:12
